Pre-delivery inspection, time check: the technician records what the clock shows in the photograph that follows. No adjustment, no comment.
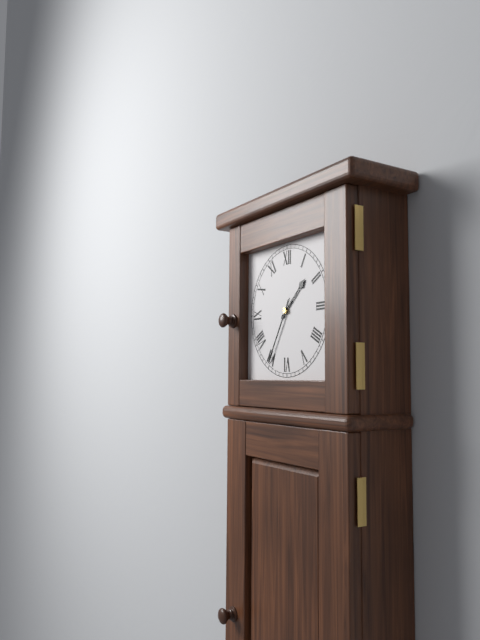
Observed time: 1:35
